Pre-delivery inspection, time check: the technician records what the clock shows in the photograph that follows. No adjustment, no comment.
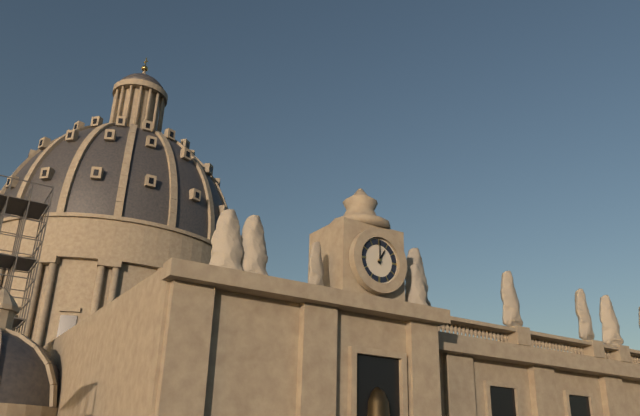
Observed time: 1:00
